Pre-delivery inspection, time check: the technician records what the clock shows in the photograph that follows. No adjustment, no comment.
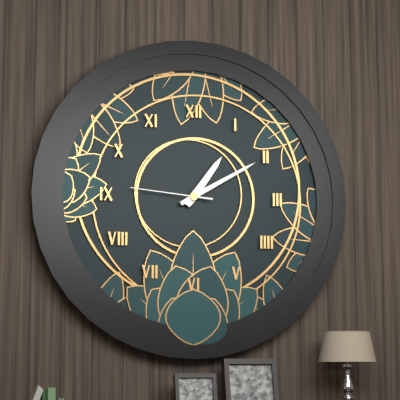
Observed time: 1:10:46
